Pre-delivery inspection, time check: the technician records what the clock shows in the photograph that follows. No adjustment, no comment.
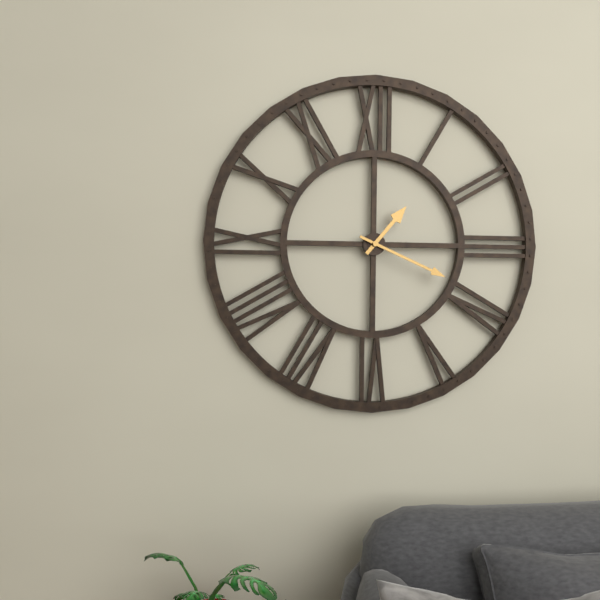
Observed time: 1:19
